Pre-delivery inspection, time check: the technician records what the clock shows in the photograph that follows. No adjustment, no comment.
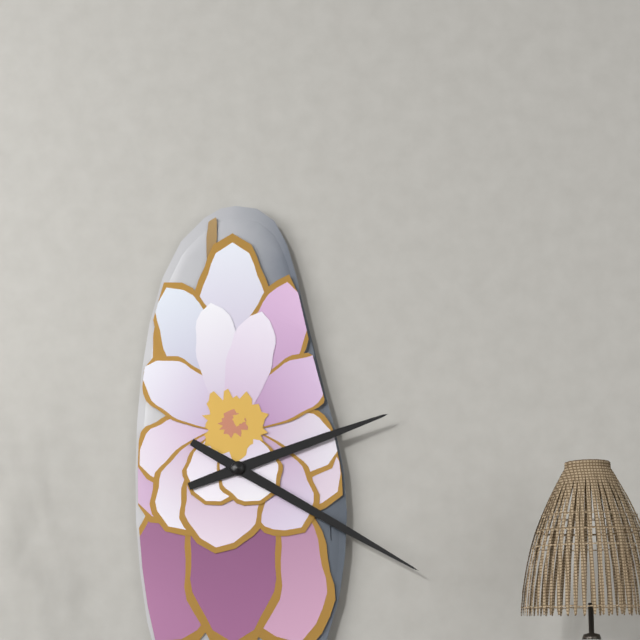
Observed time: 2:20
